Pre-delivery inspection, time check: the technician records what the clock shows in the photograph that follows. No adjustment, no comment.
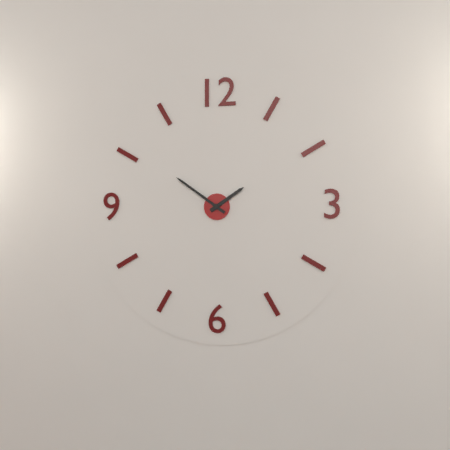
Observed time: 1:51
